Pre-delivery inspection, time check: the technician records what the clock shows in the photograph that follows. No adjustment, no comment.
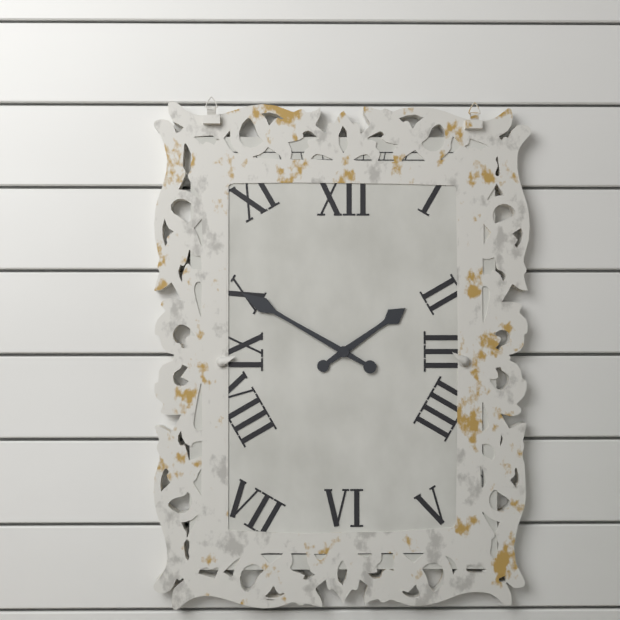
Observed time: 1:50
